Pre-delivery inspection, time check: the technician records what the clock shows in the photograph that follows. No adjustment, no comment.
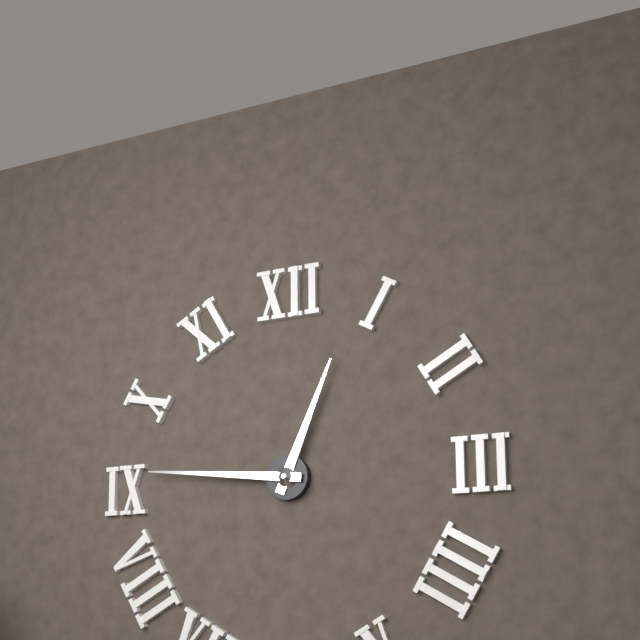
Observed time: 12:46
